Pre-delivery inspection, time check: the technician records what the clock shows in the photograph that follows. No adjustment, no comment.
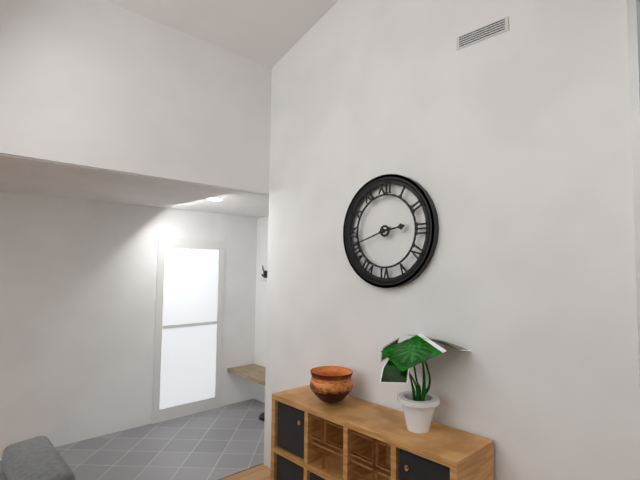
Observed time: 2:42
